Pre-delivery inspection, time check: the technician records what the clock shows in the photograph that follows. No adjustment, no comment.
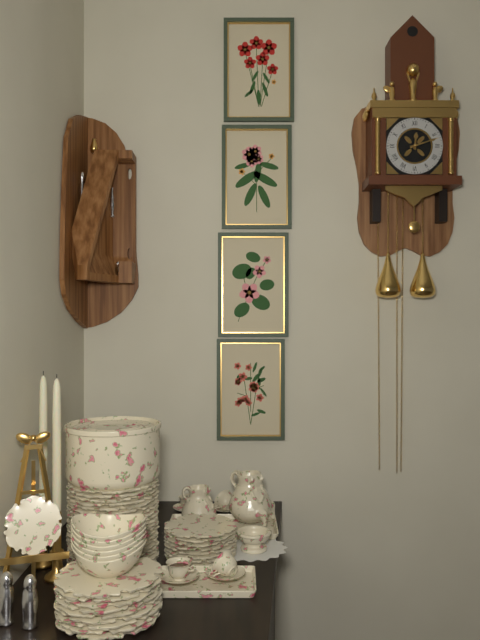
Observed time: 12:12
